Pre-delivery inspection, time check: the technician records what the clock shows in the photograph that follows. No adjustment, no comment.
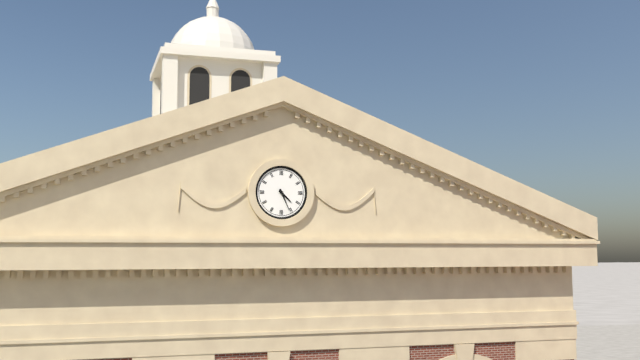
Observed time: 4:26
